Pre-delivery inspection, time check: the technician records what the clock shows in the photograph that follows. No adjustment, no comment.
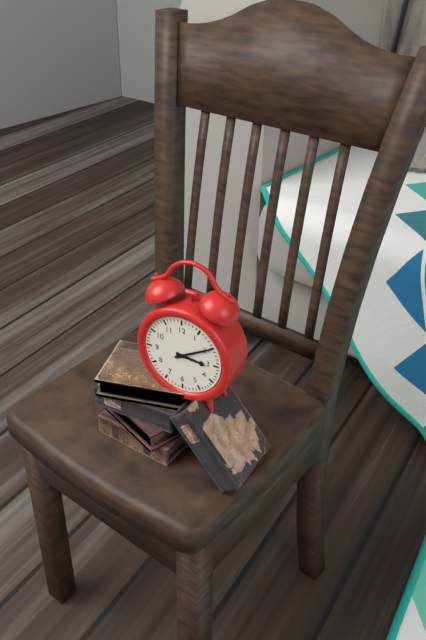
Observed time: 3:10
